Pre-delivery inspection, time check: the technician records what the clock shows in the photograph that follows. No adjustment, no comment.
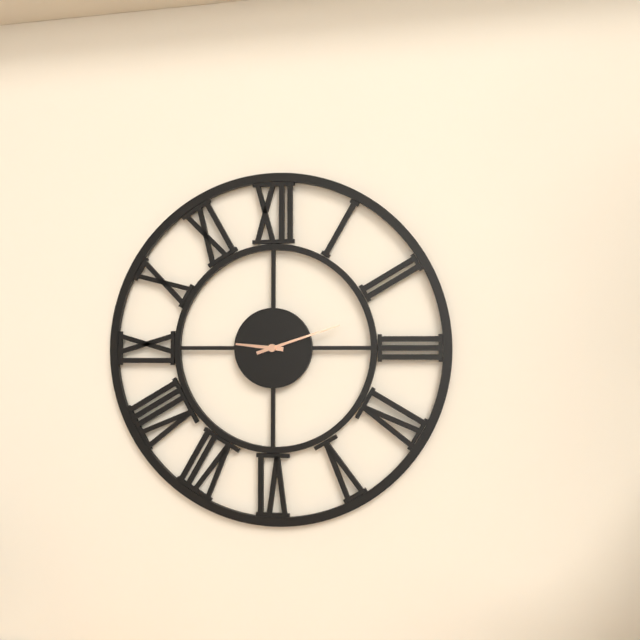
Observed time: 9:12
